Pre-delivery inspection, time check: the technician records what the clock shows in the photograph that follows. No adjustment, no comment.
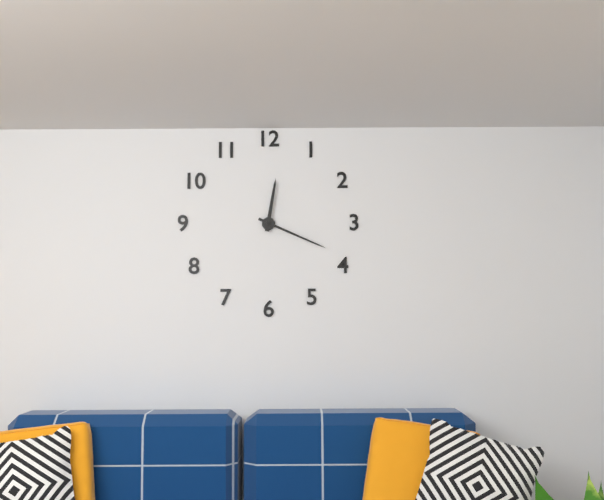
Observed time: 12:19
